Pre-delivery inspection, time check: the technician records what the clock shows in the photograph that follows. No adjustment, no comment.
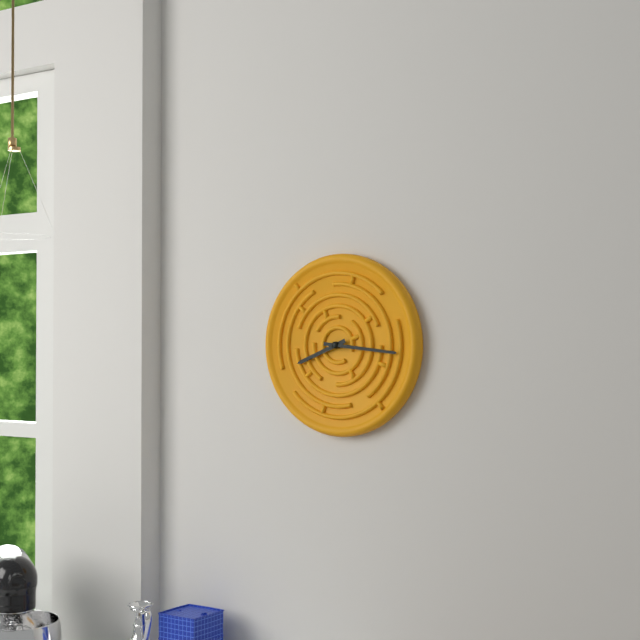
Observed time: 8:16
